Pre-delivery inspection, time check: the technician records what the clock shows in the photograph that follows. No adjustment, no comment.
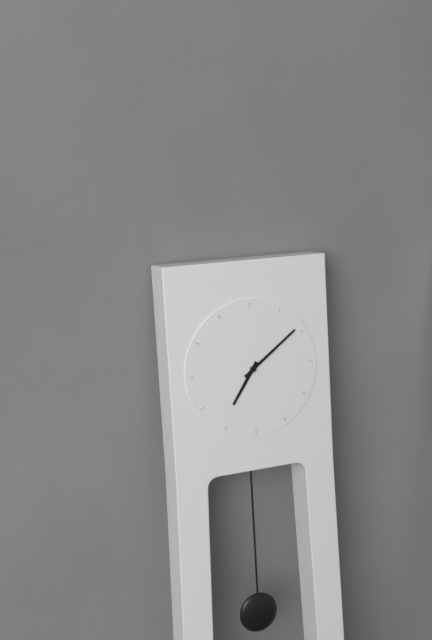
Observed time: 7:09
